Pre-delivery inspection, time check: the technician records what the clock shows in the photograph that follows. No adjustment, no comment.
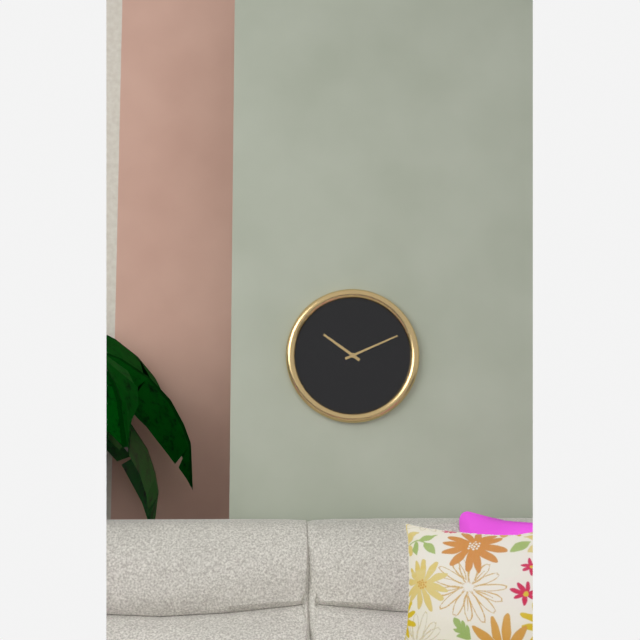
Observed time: 10:11
